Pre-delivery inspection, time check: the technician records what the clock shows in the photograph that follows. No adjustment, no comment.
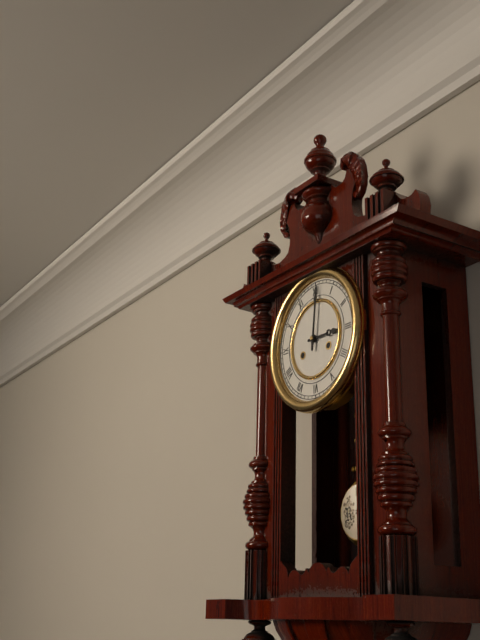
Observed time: 3:01
